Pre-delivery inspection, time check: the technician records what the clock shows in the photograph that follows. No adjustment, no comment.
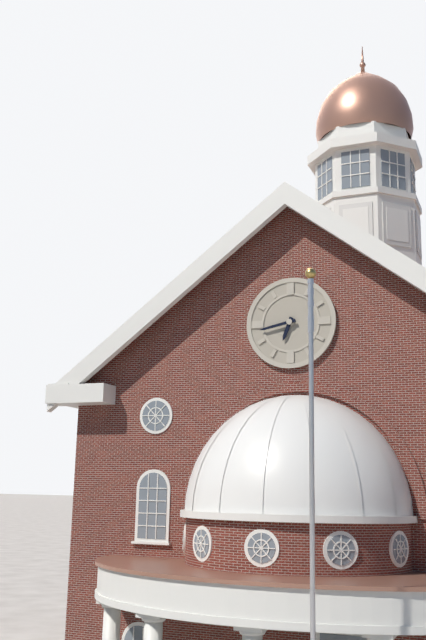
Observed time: 6:43
